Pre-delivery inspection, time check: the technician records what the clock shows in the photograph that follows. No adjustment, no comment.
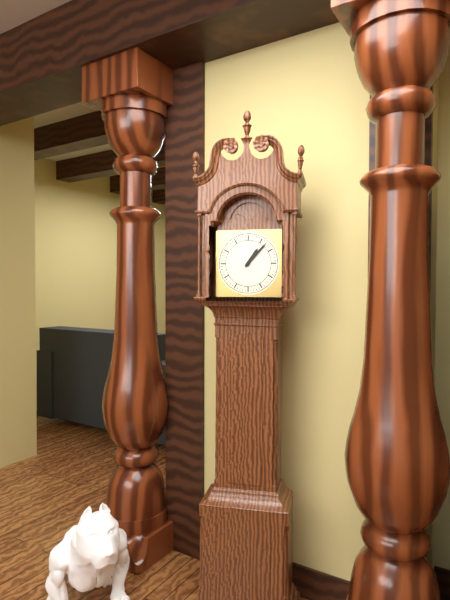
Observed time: 1:07
